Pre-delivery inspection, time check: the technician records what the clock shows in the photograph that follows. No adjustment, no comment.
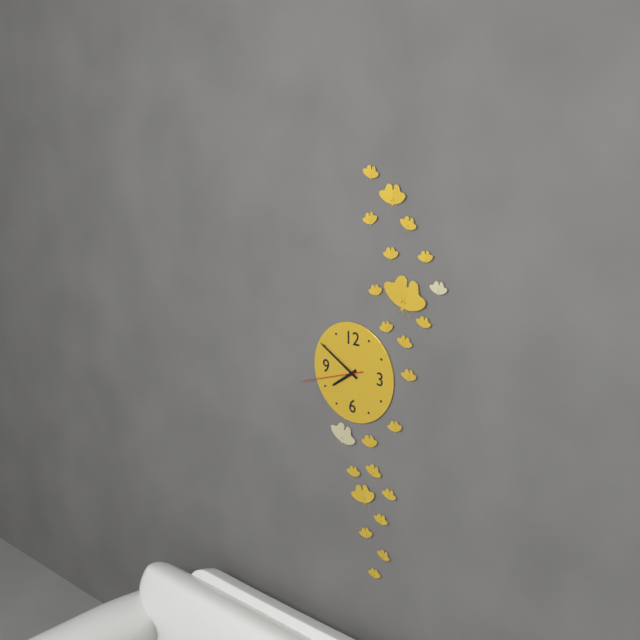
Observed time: 7:50:42
